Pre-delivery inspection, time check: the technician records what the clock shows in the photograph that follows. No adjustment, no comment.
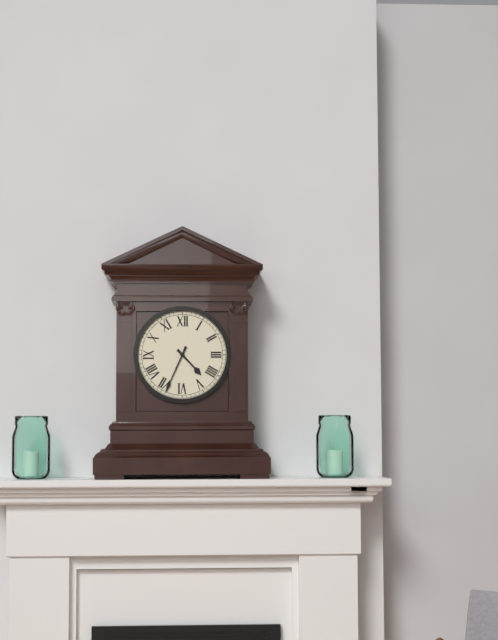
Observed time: 4:34
